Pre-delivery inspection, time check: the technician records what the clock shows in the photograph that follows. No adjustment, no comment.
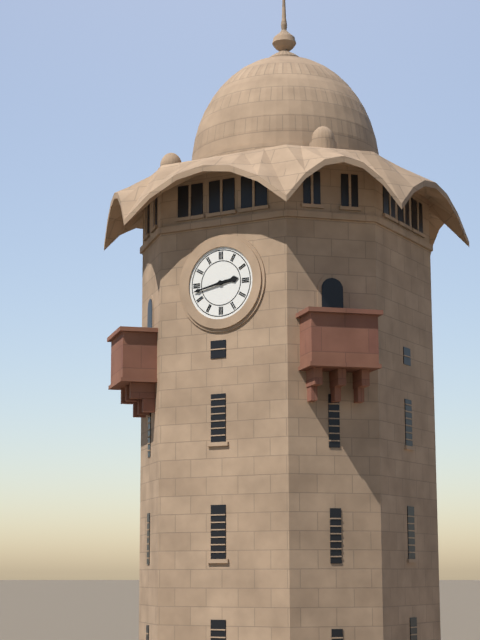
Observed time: 2:43
